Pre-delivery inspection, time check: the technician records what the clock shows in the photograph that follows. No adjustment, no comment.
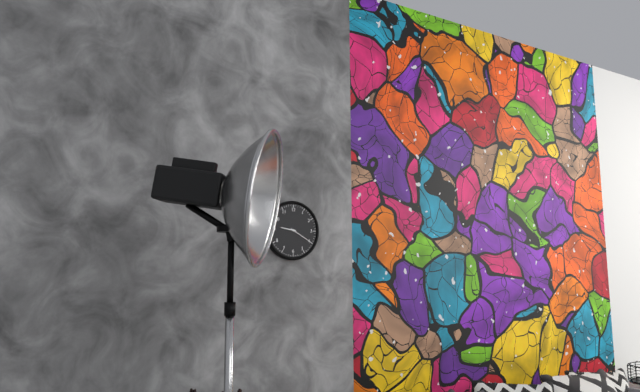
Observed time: 9:20
